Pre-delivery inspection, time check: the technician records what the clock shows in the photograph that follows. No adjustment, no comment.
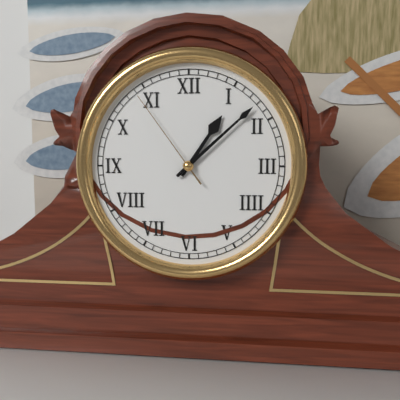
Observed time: 1:08:54
